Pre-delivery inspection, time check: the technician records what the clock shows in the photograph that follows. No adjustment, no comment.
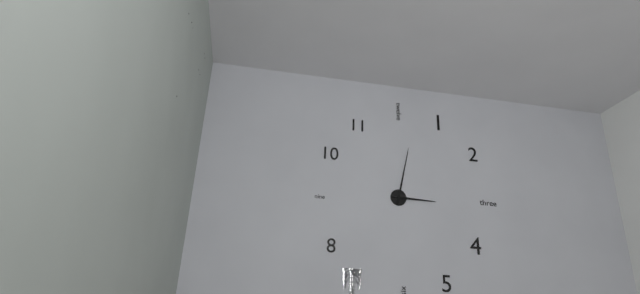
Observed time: 3:02
